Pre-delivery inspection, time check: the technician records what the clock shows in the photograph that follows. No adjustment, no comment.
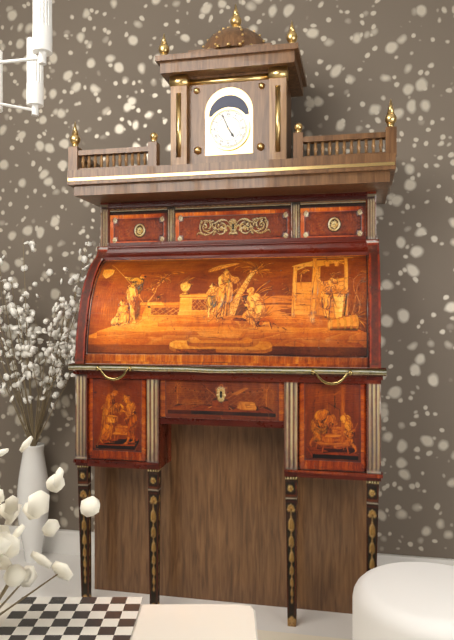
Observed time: 4:56
